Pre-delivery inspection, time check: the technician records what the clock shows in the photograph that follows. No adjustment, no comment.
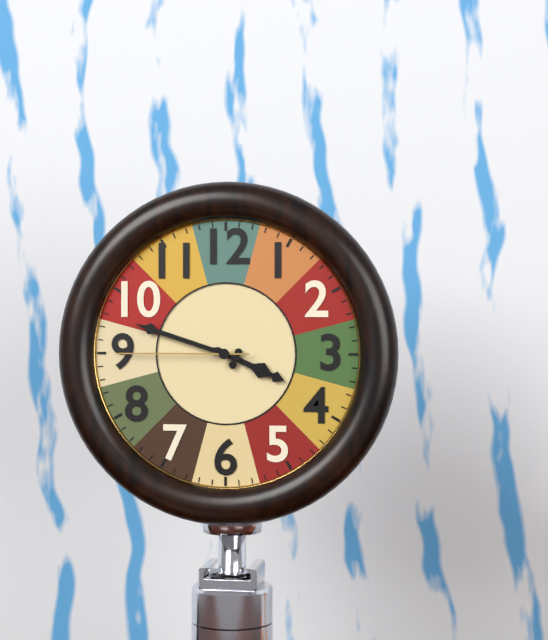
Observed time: 3:48:45
